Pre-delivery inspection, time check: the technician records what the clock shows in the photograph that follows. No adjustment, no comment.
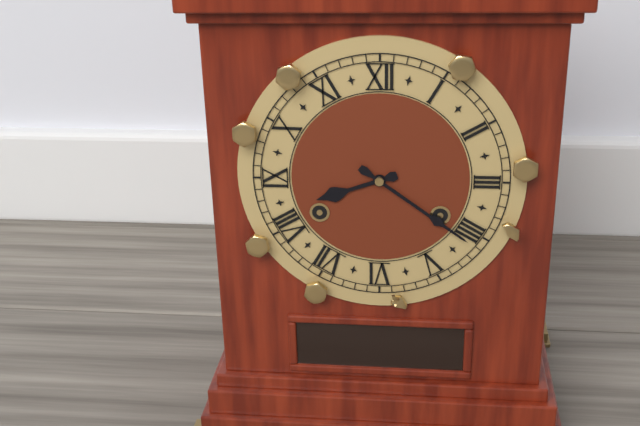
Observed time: 8:21
